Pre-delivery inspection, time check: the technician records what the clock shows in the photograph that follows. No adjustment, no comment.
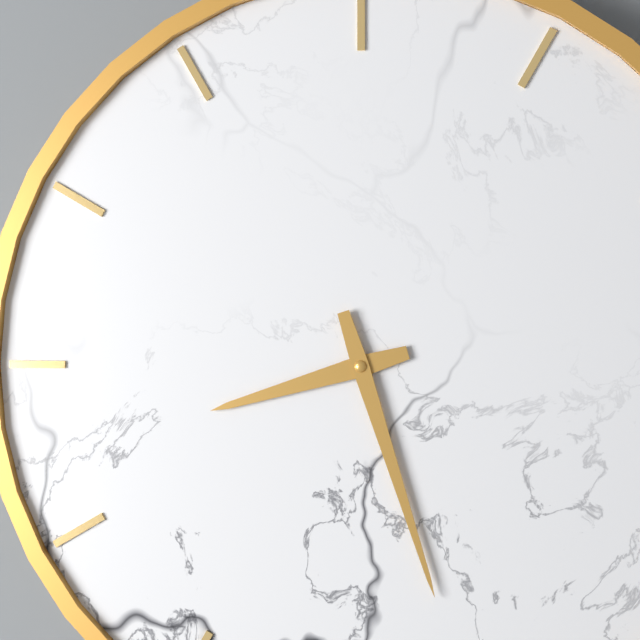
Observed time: 8:27
